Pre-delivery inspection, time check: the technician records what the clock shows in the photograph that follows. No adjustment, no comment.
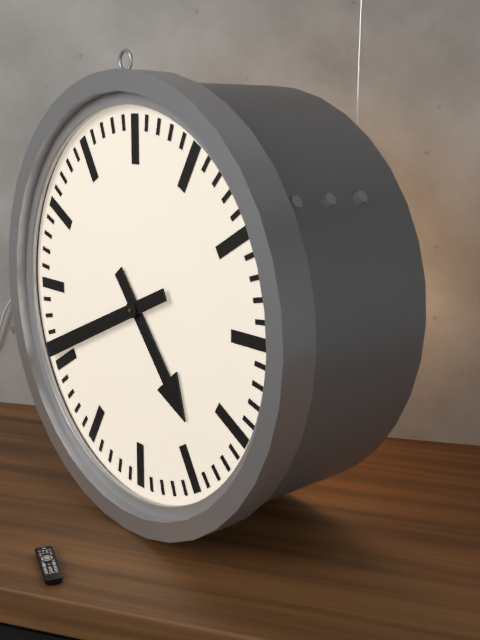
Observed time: 4:41
